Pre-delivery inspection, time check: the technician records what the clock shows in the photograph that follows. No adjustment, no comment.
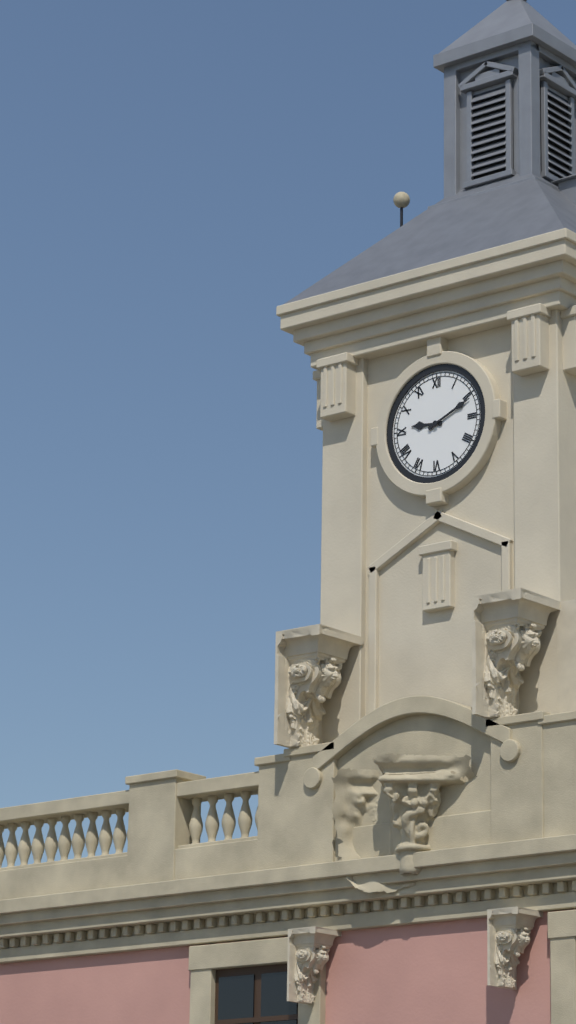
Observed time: 9:11
